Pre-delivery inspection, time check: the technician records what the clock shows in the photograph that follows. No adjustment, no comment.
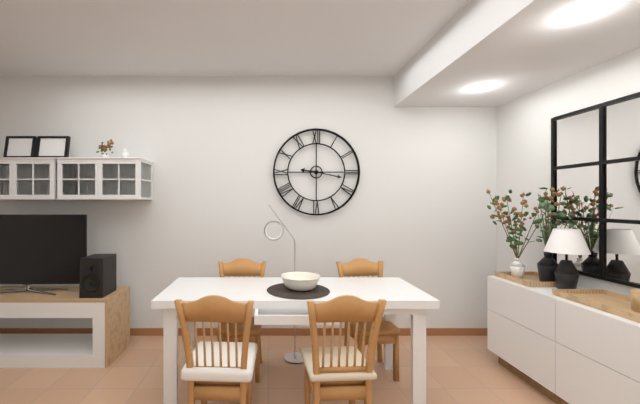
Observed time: 9:17
